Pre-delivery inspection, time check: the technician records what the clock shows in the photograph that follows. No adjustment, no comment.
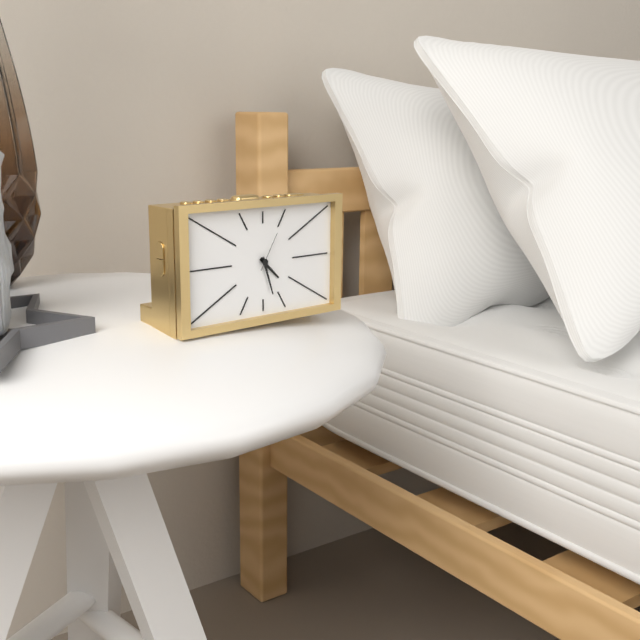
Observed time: 4:27
